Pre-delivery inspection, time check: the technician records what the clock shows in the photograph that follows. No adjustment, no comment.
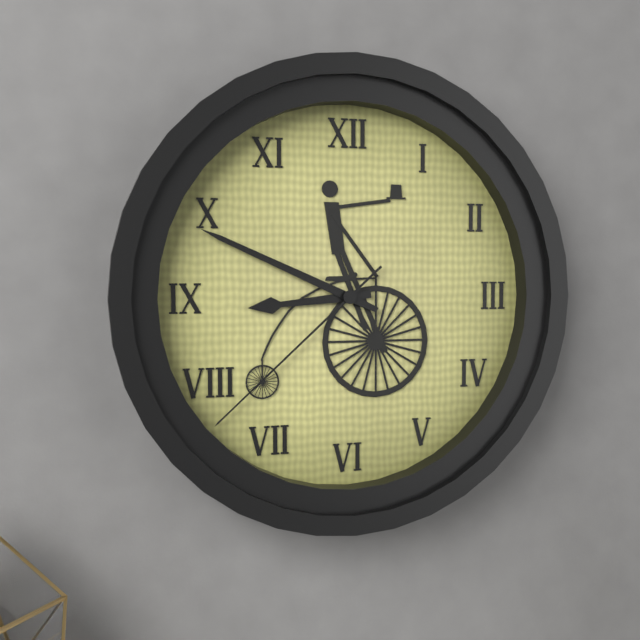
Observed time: 8:49:38
